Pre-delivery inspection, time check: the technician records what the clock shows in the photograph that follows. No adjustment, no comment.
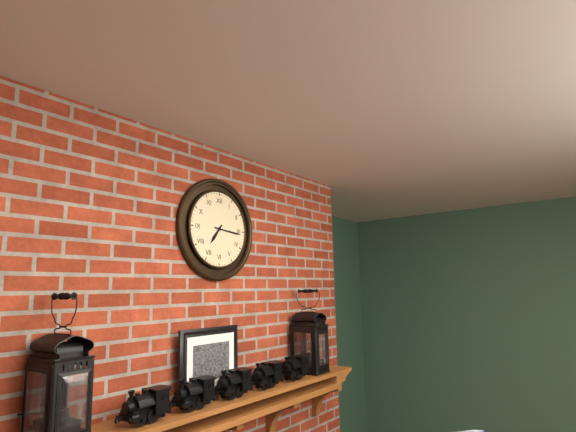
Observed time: 7:16
